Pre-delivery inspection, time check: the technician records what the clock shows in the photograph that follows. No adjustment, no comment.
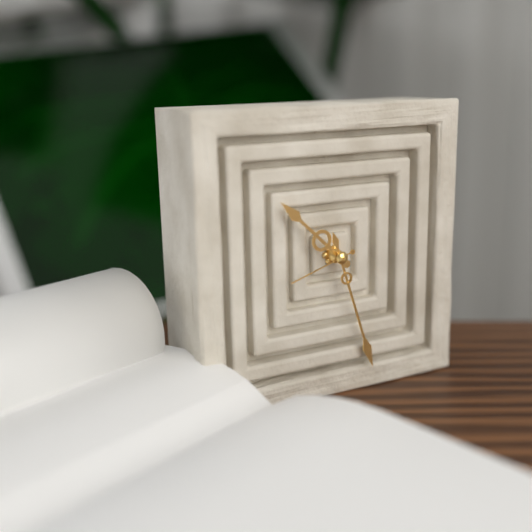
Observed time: 10:27:42
